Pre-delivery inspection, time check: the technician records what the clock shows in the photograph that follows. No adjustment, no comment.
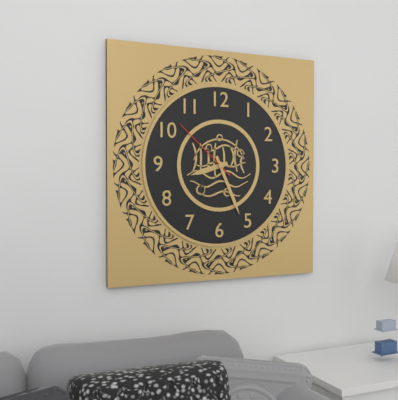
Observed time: 8:26:52
